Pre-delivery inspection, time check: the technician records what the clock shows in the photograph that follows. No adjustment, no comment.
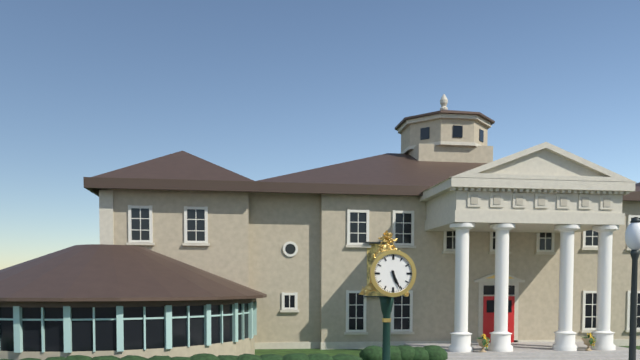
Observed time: 5:26
